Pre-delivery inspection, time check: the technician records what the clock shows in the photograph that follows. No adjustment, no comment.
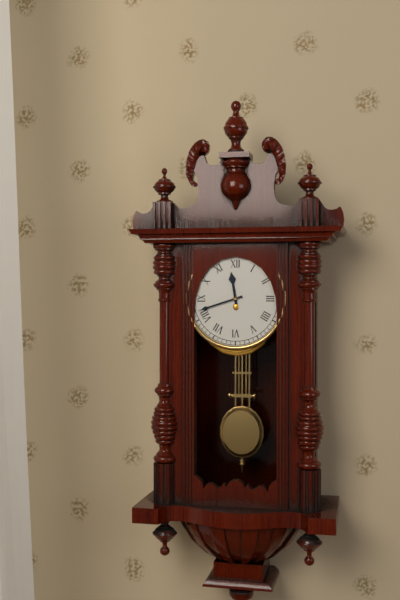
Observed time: 11:42
